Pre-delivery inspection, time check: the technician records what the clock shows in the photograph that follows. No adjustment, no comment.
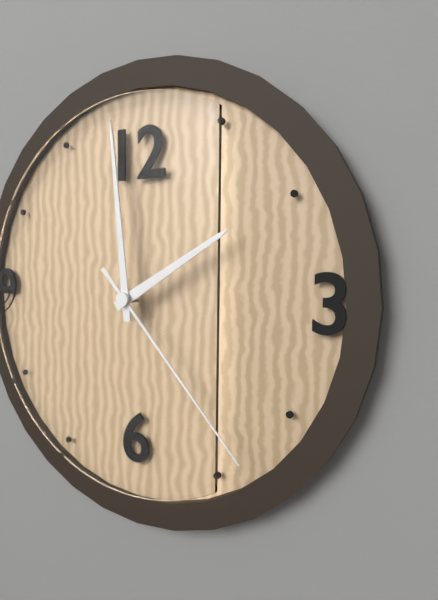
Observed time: 1:59:23
